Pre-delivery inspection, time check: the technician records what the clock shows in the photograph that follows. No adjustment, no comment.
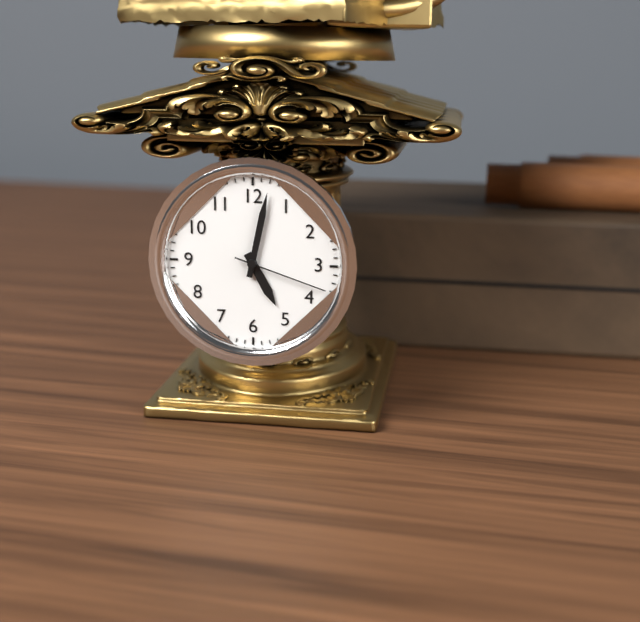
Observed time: 5:02:18
